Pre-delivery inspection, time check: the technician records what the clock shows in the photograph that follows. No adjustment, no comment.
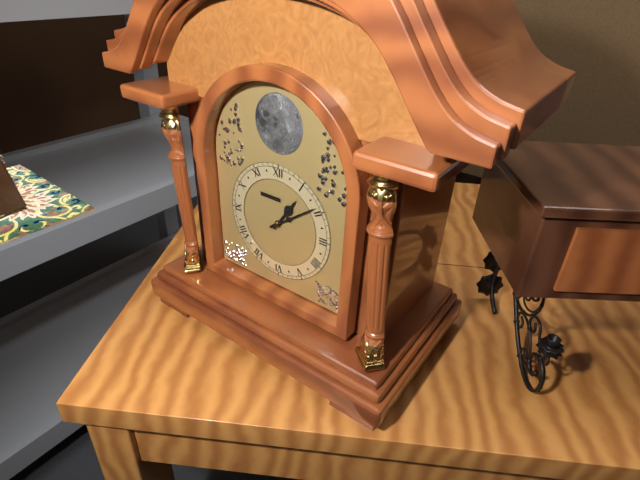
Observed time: 1:09
